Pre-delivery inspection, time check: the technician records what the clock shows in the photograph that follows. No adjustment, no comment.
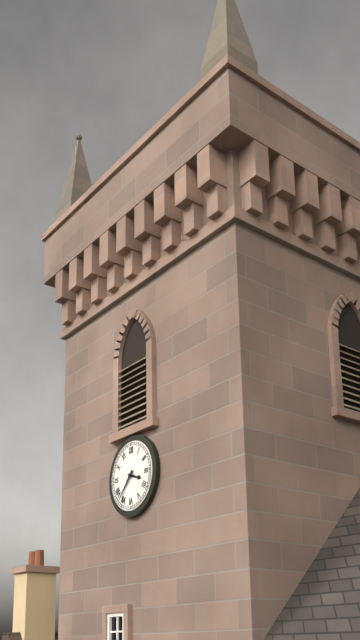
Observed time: 3:37
